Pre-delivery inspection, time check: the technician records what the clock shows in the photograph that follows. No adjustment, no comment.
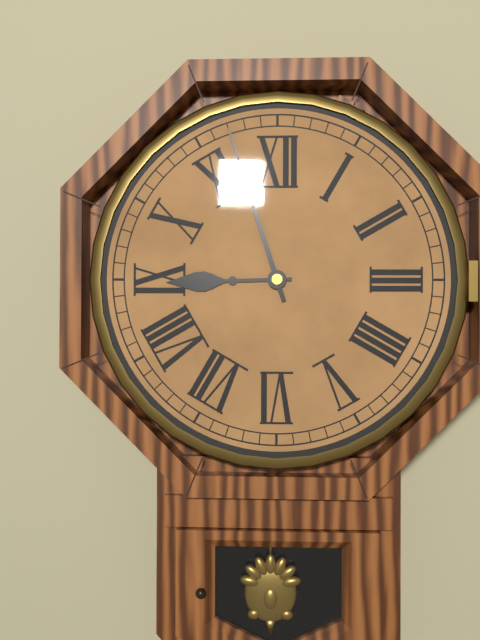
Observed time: 8:57
